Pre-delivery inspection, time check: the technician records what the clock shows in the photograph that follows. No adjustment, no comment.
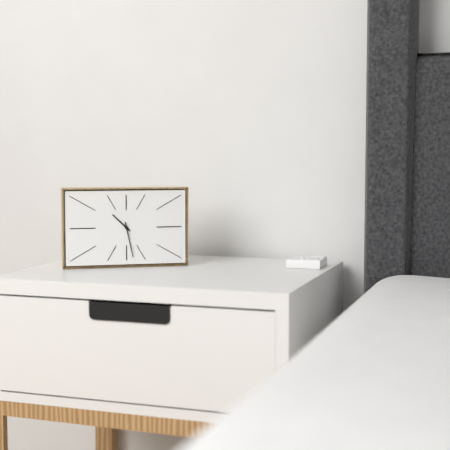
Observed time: 10:28
